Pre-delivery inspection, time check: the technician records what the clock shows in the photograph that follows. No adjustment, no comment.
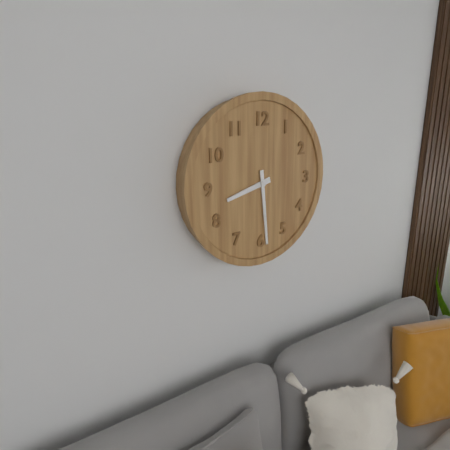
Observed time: 8:29
